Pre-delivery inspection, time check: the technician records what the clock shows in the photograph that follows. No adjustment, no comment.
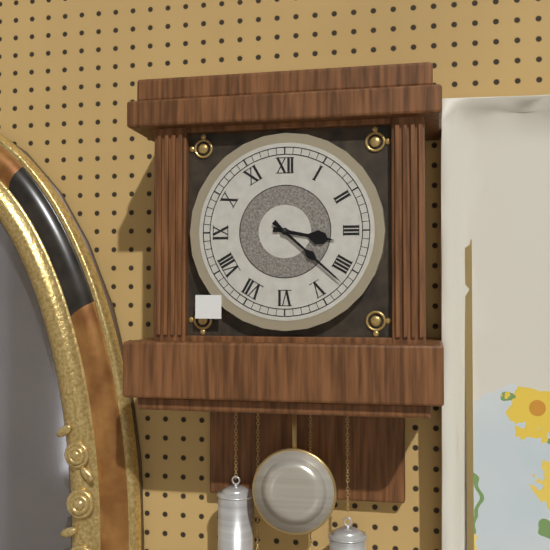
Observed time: 3:22
